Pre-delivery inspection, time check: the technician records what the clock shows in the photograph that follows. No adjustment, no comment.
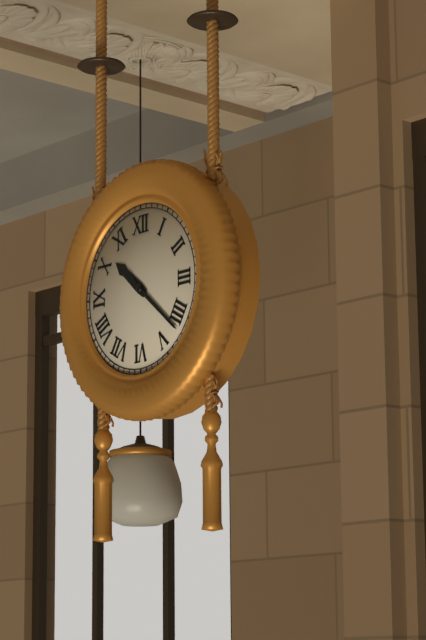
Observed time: 10:22
